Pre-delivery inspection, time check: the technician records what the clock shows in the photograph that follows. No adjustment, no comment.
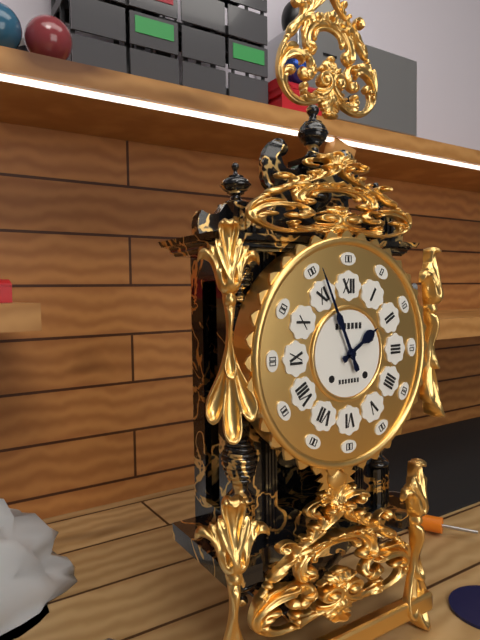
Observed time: 1:56
